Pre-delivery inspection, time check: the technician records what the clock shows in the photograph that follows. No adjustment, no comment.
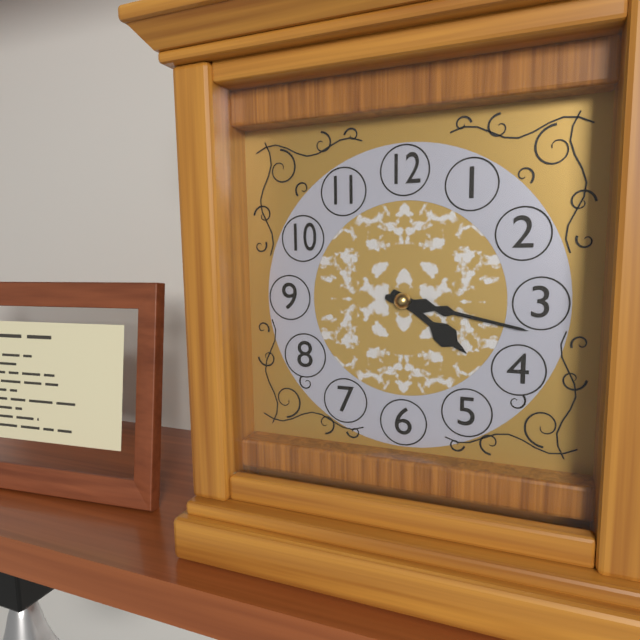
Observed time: 4:17
